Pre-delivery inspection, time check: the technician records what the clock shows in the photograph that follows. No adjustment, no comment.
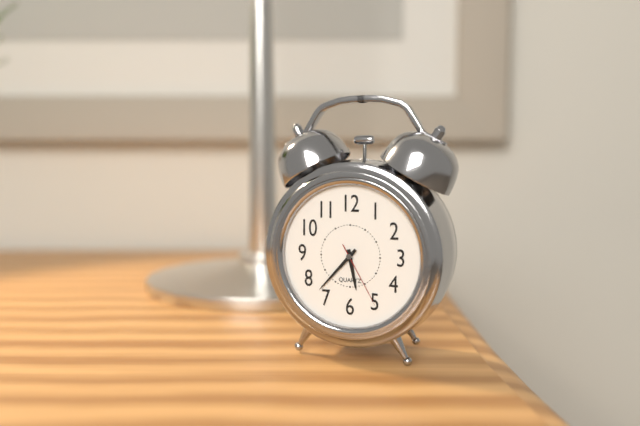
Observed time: 5:37:25
